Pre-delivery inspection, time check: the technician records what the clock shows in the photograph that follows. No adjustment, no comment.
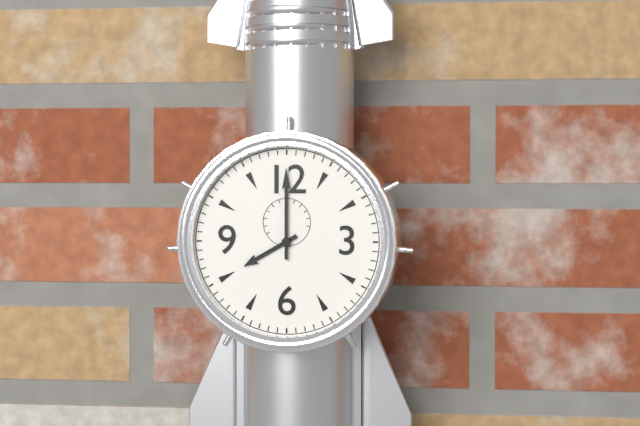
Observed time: 8:00
